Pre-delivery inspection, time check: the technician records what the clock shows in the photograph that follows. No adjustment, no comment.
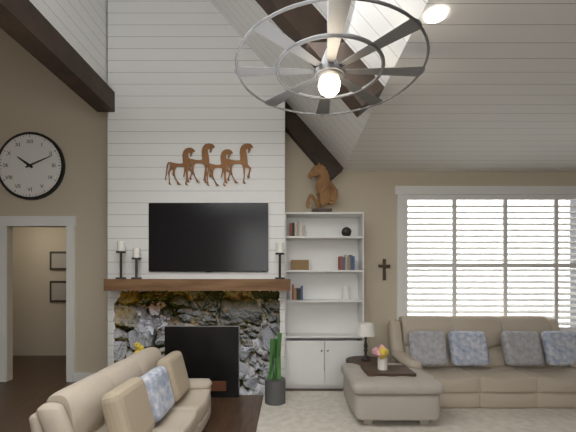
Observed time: 10:11
